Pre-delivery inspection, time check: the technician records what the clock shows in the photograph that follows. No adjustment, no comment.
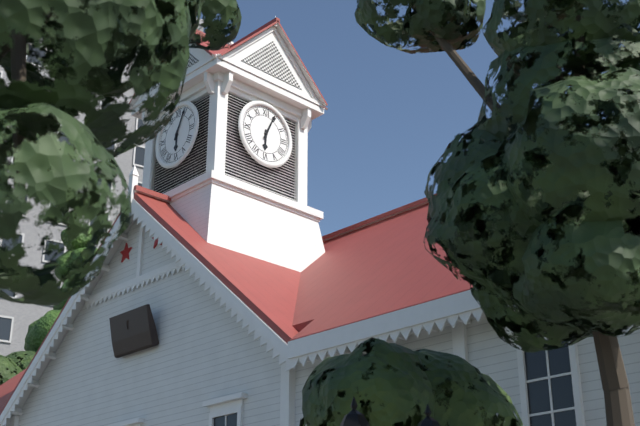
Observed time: 6:04
